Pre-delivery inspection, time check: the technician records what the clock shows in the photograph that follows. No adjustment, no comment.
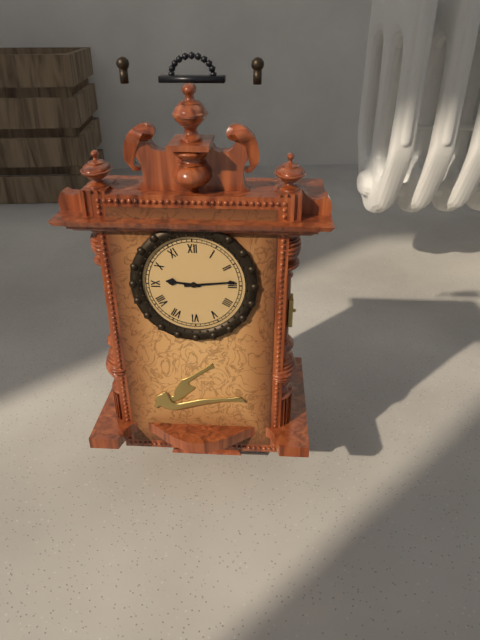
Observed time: 9:14
